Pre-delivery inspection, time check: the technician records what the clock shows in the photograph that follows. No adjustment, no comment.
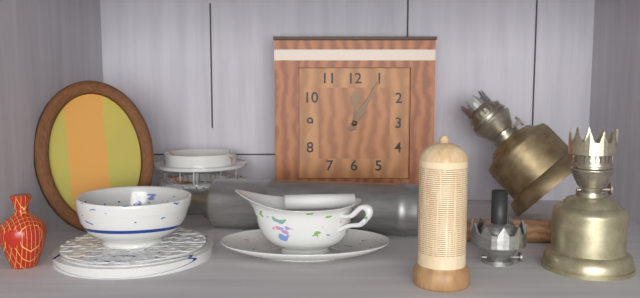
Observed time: 12:05
